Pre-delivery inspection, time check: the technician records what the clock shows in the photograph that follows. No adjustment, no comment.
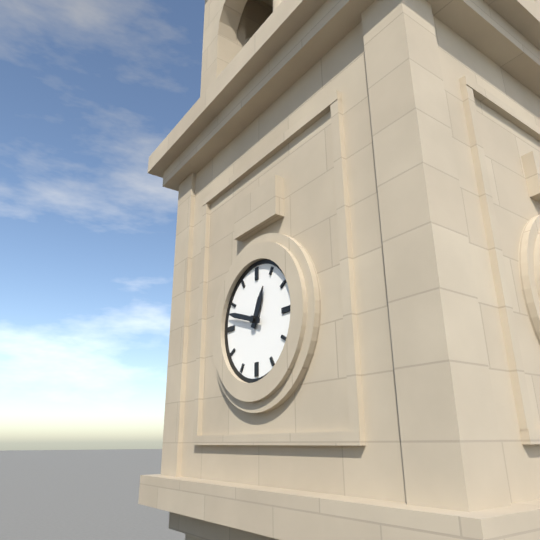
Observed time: 12:48
